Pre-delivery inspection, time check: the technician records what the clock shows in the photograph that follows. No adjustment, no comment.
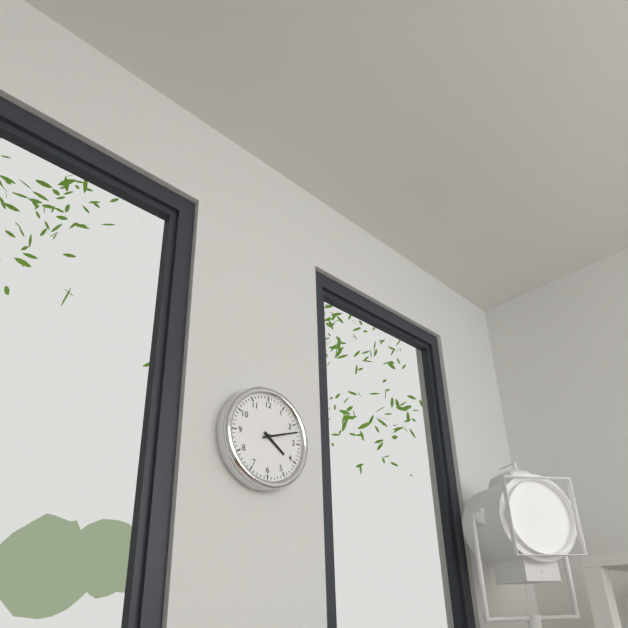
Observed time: 4:12
